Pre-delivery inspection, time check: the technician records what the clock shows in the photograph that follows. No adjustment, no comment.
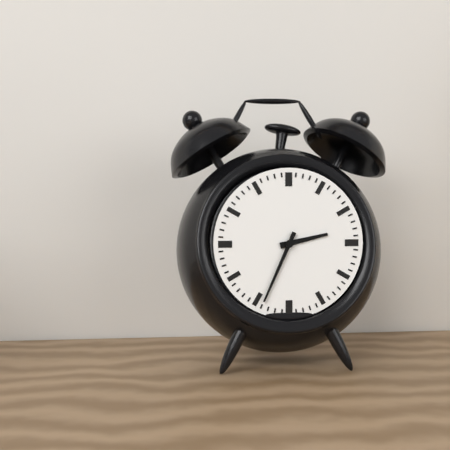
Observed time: 2:34
